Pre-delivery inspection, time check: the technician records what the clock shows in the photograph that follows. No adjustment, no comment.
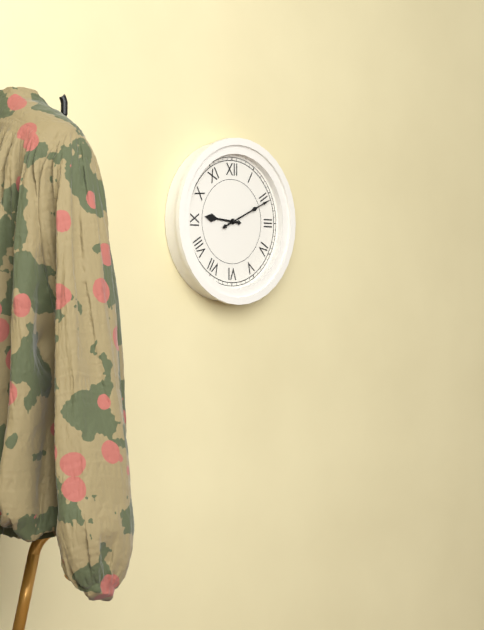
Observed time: 9:11
